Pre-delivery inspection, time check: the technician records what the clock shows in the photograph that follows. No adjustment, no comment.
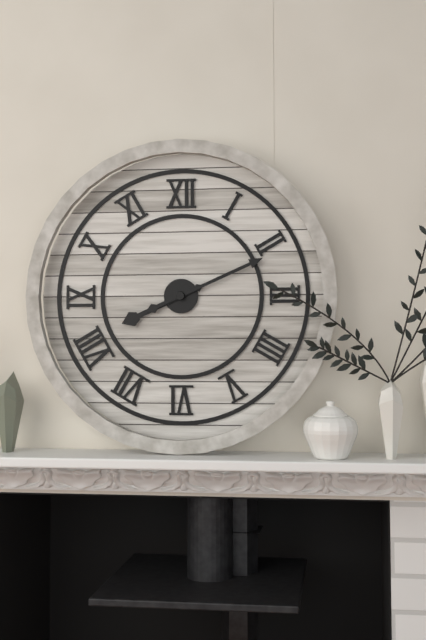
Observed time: 8:11
